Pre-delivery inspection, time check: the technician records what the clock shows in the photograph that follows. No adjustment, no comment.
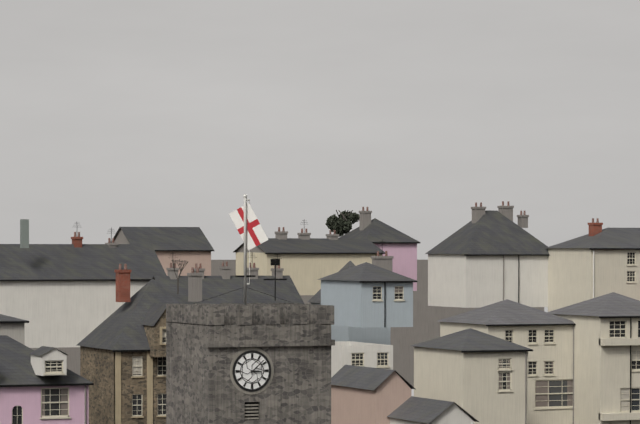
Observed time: 3:08
